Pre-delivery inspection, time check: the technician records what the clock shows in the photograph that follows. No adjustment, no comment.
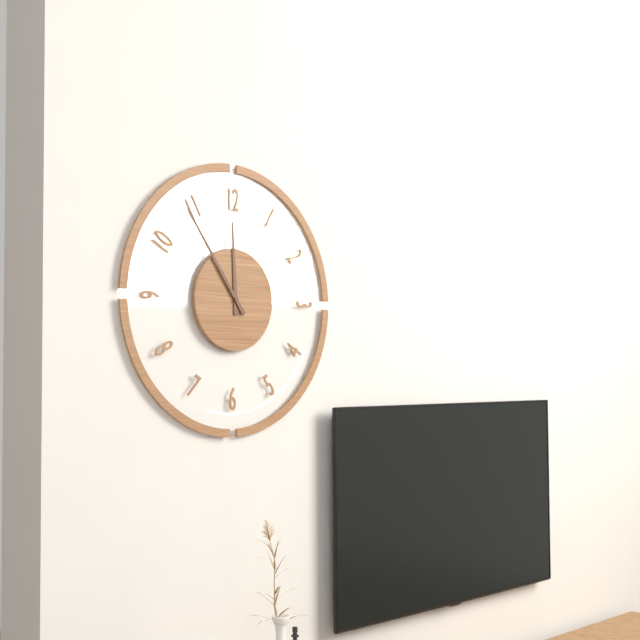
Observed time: 11:54
